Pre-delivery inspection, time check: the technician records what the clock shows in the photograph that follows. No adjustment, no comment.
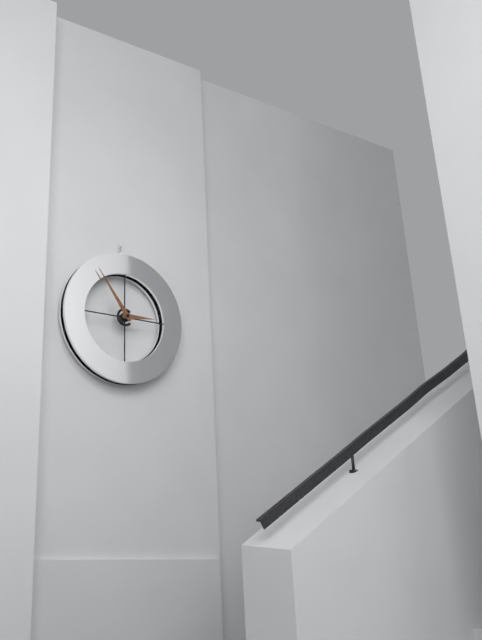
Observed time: 2:54
